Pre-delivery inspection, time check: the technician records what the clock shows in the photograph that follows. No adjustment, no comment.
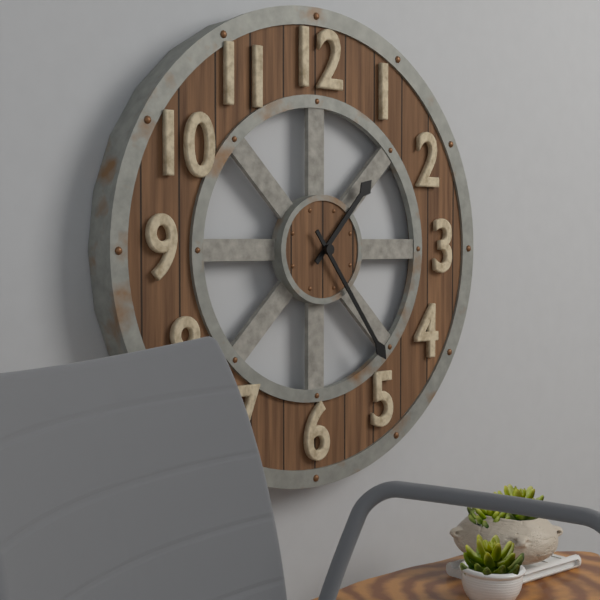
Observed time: 1:24
